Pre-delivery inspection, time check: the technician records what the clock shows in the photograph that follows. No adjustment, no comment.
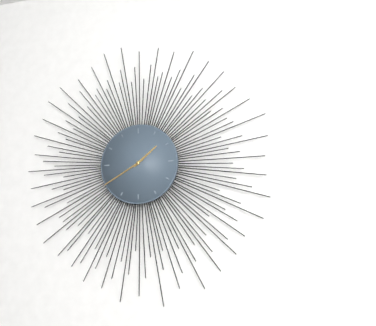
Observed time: 1:40
